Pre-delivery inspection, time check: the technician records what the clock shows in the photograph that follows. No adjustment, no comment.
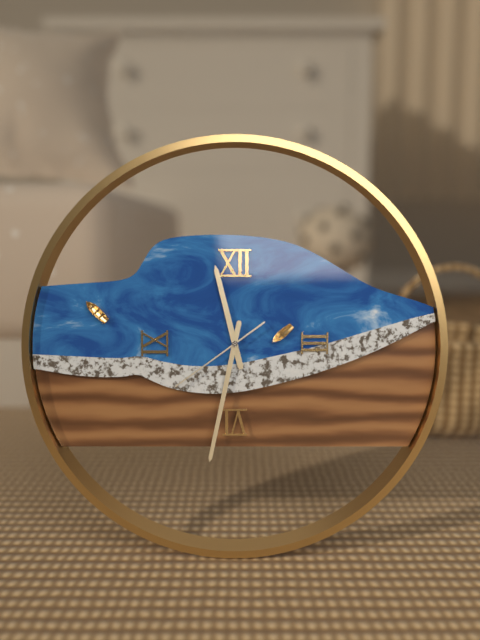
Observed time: 11:32:39
